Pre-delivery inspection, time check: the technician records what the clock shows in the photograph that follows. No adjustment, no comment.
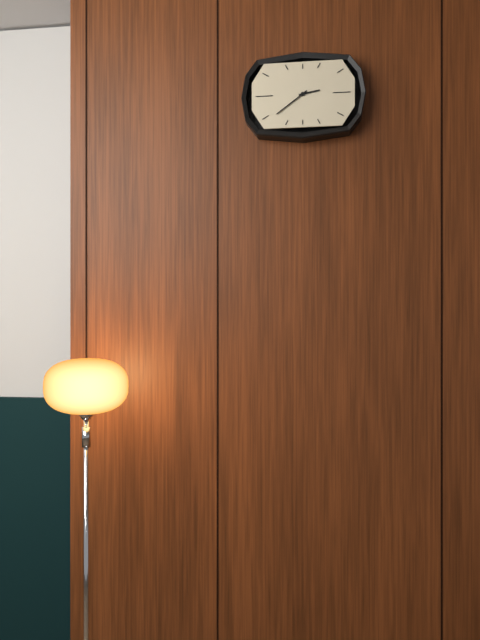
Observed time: 2:39
